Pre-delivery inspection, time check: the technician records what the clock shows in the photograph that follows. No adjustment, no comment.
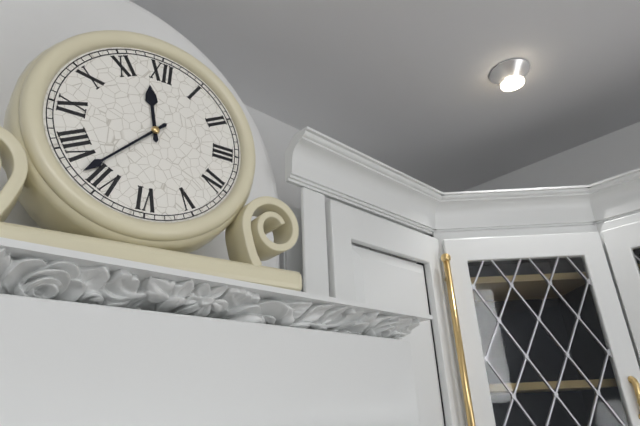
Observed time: 11:37
